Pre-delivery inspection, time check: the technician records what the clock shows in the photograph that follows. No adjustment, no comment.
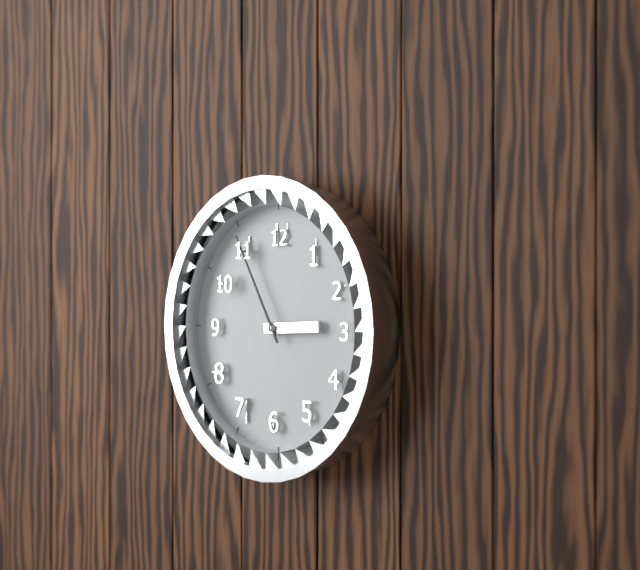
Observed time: 2:55
